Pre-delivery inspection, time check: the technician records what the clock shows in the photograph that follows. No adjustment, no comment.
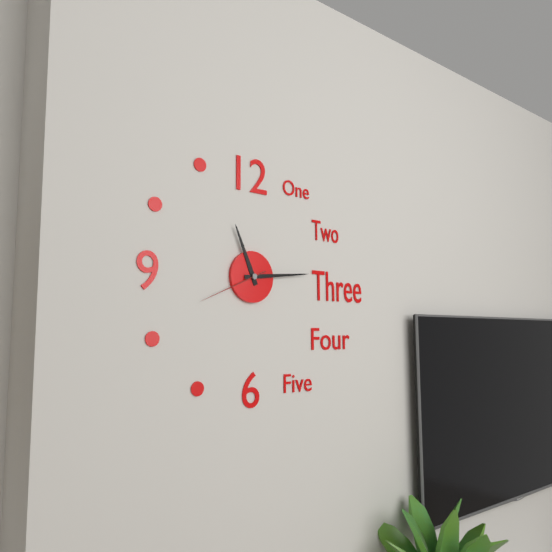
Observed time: 11:14:41
